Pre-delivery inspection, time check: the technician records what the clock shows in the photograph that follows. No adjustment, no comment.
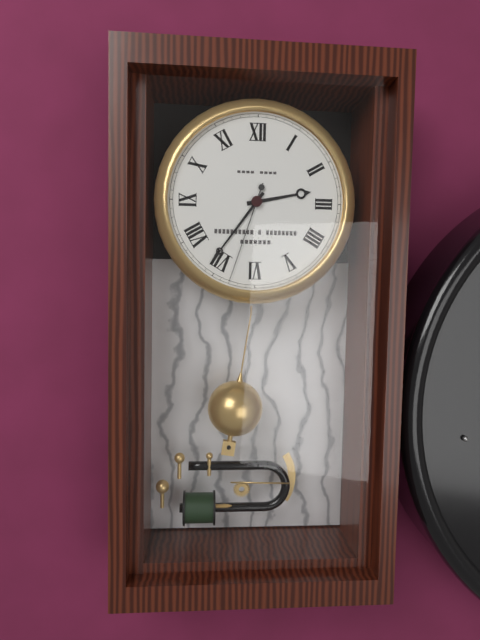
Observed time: 2:36:33
